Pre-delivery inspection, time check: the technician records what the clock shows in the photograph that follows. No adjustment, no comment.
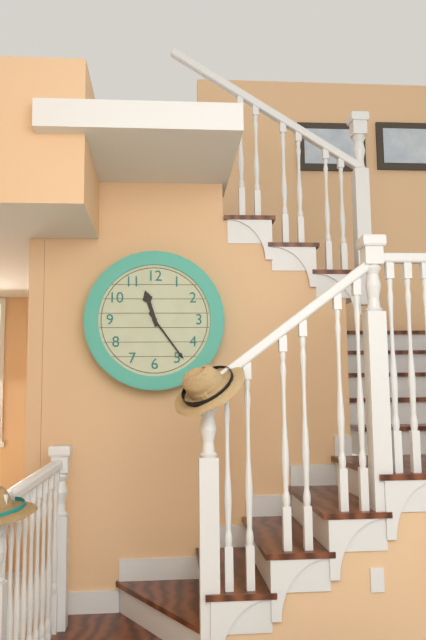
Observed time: 11:24
